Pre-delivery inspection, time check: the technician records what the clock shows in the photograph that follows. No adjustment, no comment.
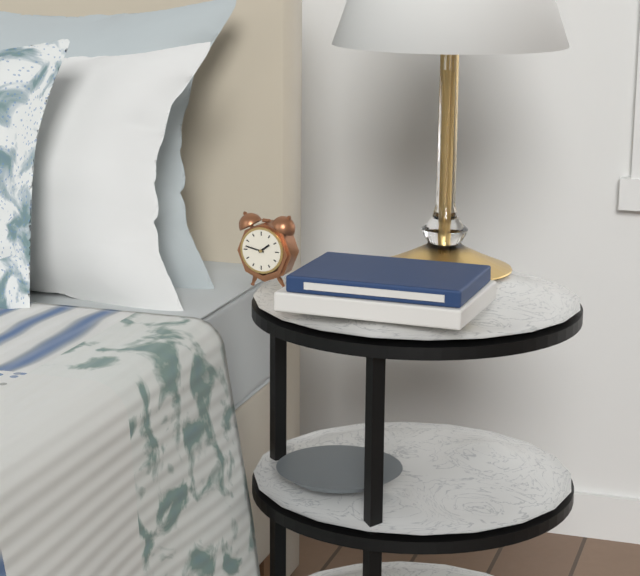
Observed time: 1:47
